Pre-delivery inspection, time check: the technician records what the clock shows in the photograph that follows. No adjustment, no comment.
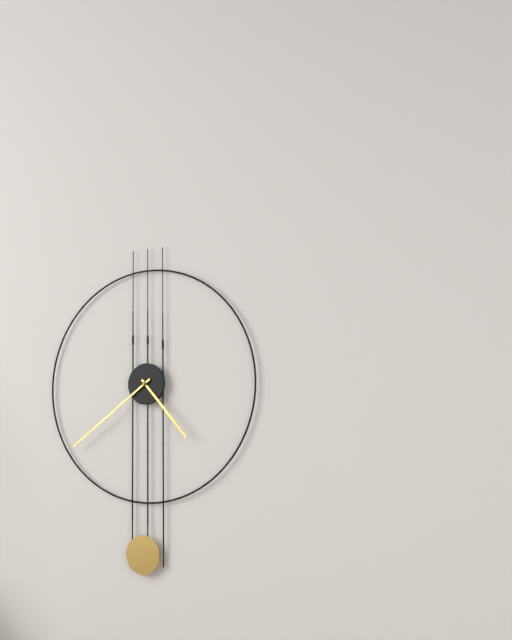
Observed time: 4:39
